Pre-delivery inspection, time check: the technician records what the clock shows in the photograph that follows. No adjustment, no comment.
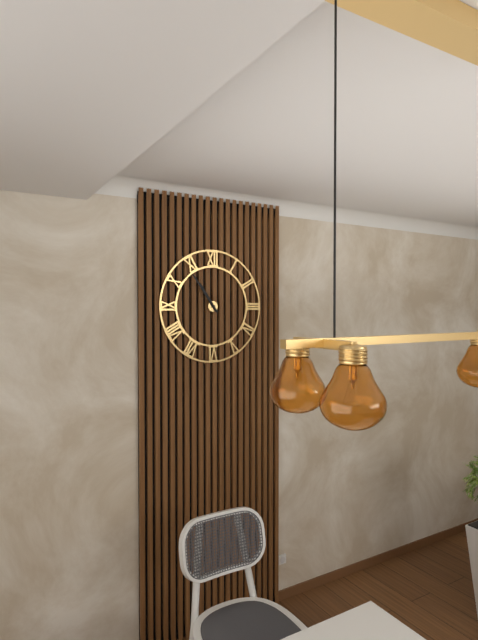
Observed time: 10:54
